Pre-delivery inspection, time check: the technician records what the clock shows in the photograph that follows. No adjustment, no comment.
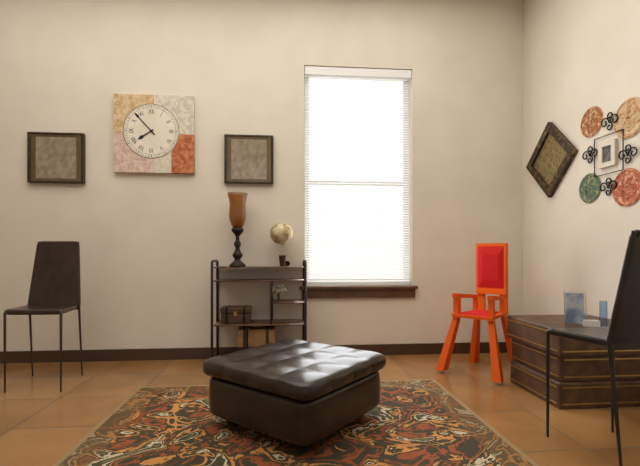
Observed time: 7:53
